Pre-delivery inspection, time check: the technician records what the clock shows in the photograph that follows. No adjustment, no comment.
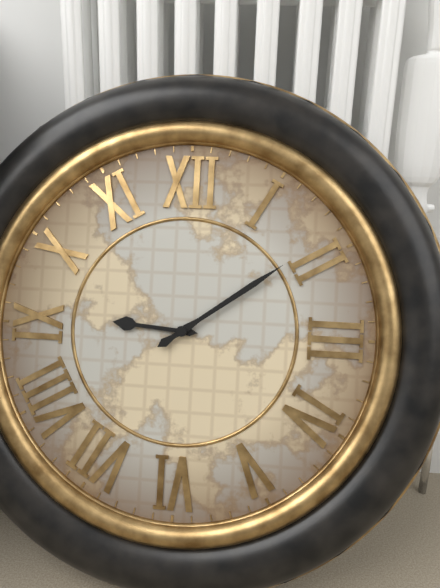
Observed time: 9:09
